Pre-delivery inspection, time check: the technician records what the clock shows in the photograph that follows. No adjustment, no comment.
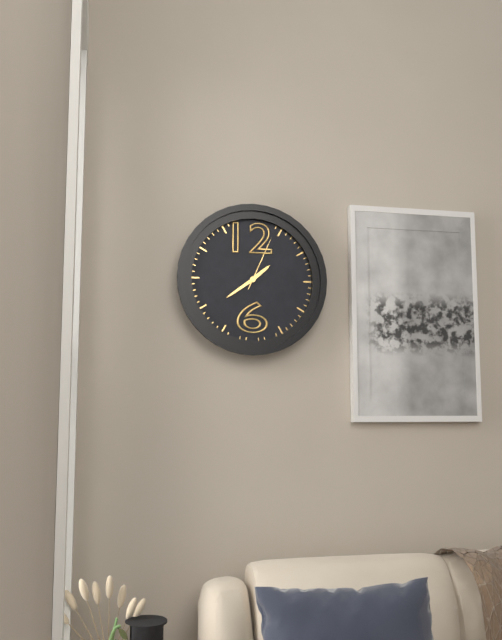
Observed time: 1:39:04
